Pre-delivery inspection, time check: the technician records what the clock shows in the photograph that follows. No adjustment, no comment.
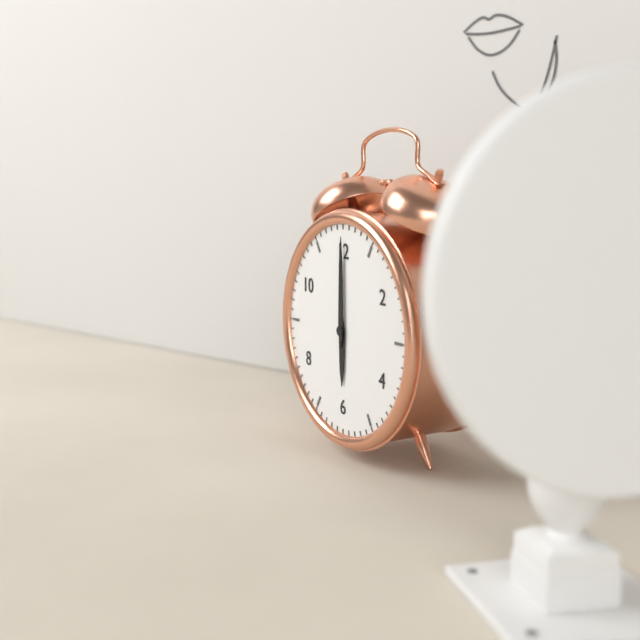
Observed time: 6:00
